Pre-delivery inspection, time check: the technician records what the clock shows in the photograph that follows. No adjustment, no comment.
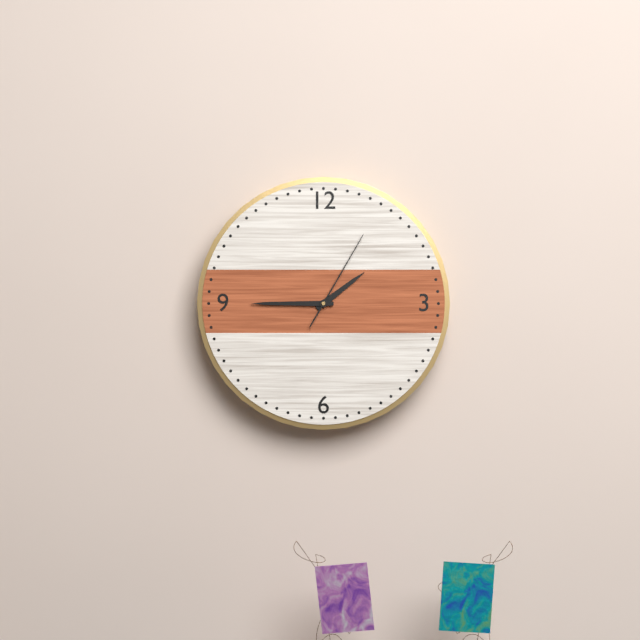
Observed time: 1:45:05
